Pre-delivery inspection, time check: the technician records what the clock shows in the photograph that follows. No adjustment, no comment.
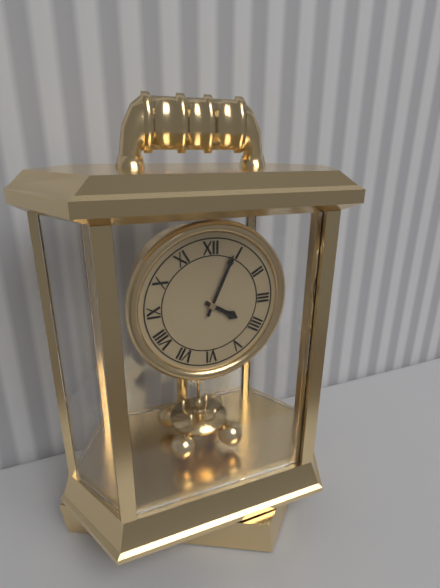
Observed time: 4:04
